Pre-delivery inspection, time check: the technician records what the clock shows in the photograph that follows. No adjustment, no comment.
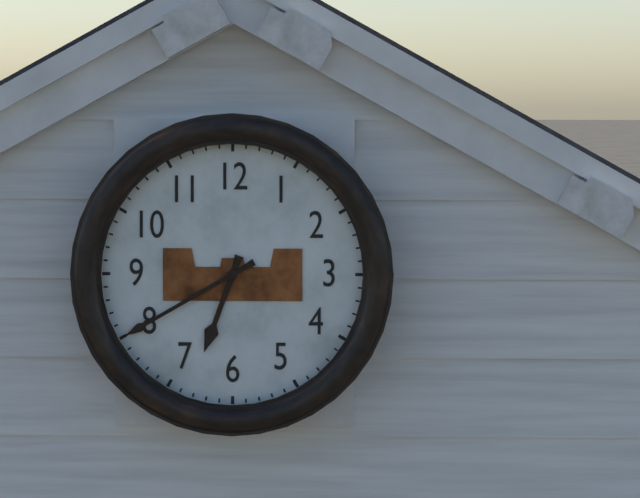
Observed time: 6:40
